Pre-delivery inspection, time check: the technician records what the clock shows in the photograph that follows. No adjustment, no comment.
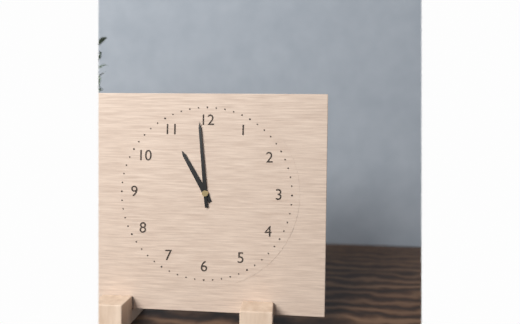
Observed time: 10:59
